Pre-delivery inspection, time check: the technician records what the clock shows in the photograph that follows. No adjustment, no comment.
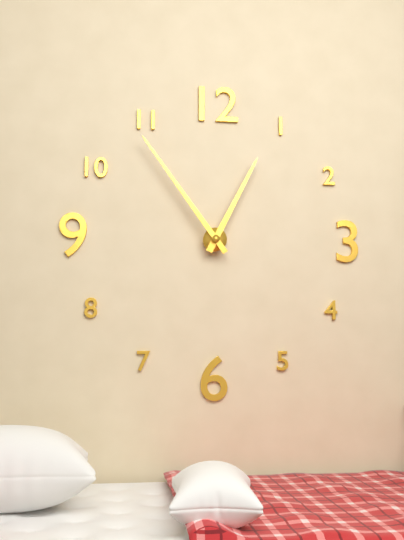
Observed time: 12:54
